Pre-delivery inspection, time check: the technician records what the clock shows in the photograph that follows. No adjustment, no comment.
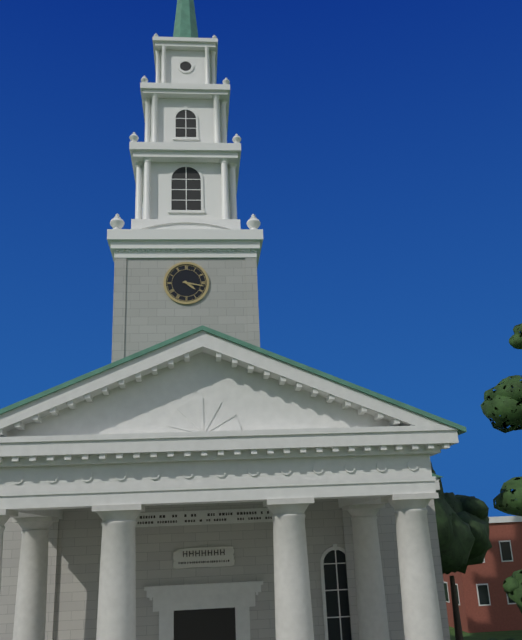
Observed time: 4:17
